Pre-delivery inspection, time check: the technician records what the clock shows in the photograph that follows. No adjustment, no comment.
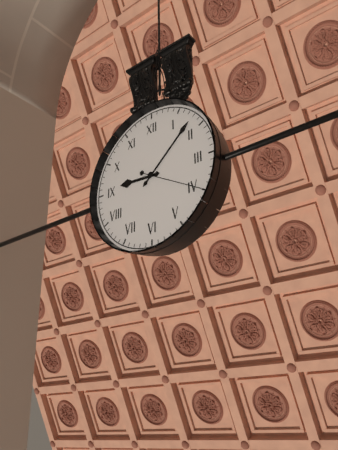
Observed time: 9:08:20
